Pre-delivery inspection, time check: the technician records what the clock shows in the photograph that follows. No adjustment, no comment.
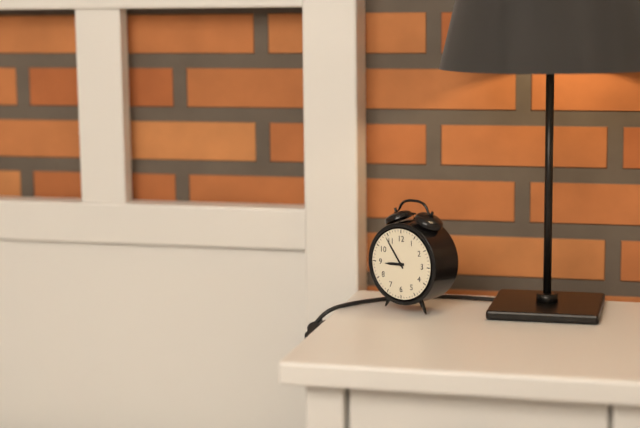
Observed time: 8:54
